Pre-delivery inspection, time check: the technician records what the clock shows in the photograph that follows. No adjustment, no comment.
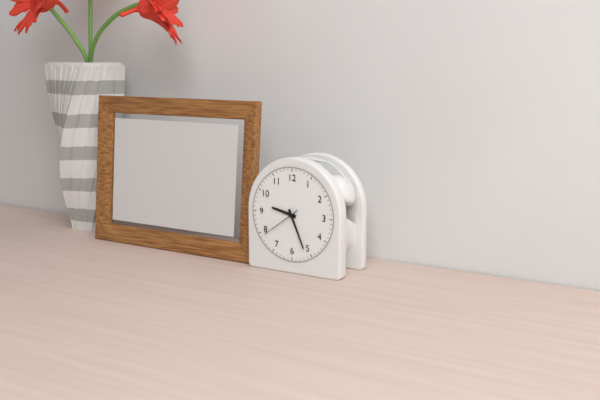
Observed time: 9:26
